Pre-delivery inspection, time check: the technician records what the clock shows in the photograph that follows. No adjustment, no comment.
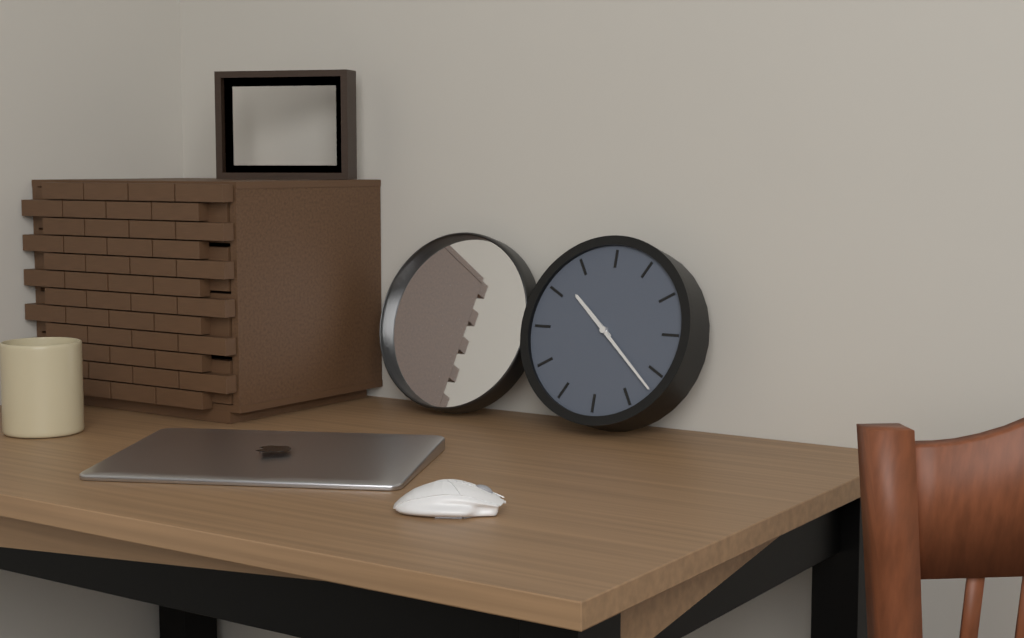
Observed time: 10:22
